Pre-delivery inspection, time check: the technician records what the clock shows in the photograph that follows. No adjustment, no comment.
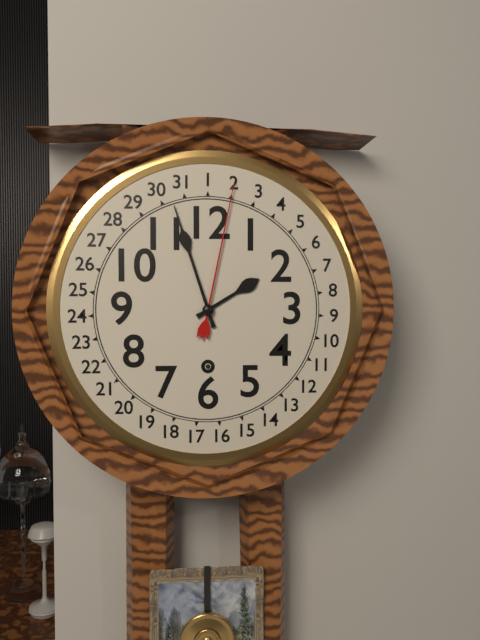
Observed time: 1:57
